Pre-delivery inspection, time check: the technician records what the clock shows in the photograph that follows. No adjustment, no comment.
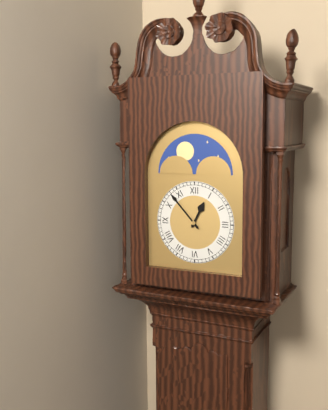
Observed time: 12:53
